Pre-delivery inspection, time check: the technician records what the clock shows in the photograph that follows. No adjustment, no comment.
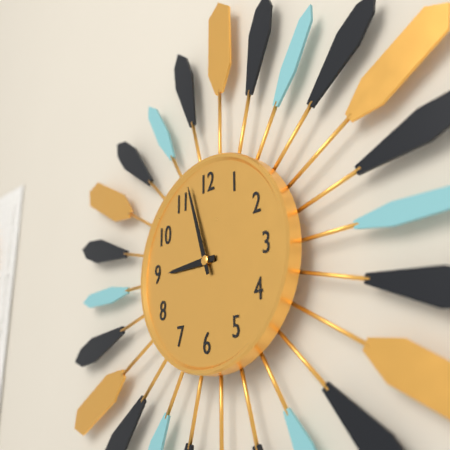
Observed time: 8:57
